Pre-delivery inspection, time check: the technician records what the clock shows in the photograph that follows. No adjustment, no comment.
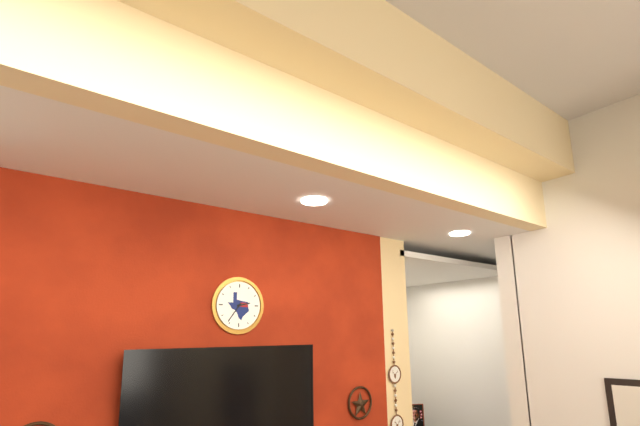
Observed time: 2:36
